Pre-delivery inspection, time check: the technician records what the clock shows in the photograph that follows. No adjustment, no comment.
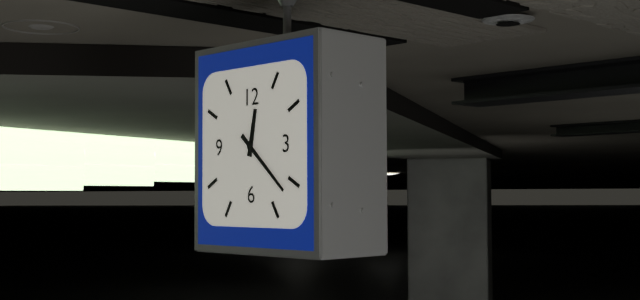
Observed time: 12:22
